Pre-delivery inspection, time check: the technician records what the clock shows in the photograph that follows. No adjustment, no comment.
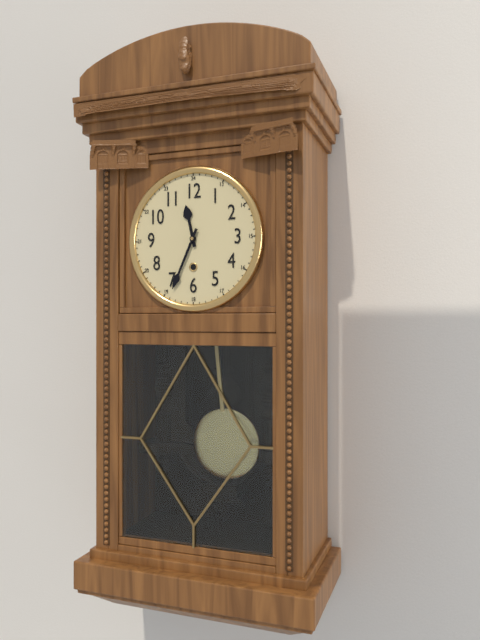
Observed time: 11:34
